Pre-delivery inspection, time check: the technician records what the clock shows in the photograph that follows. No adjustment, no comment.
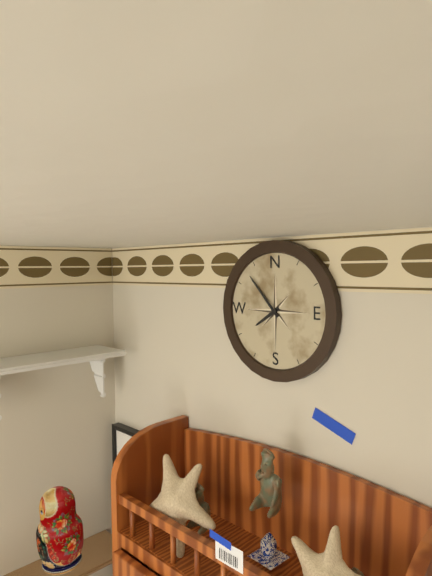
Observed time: 7:53
